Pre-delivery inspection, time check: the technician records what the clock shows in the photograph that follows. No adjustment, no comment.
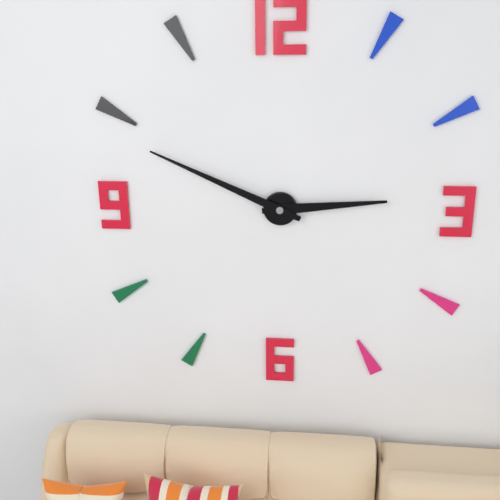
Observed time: 2:49
